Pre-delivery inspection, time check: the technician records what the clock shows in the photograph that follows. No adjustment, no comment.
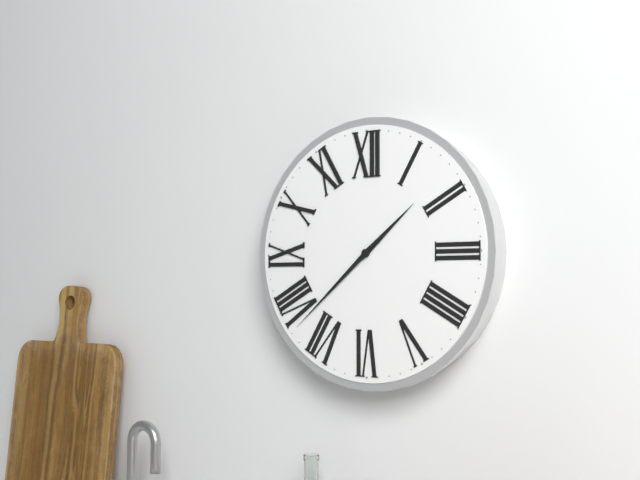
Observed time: 1:38
